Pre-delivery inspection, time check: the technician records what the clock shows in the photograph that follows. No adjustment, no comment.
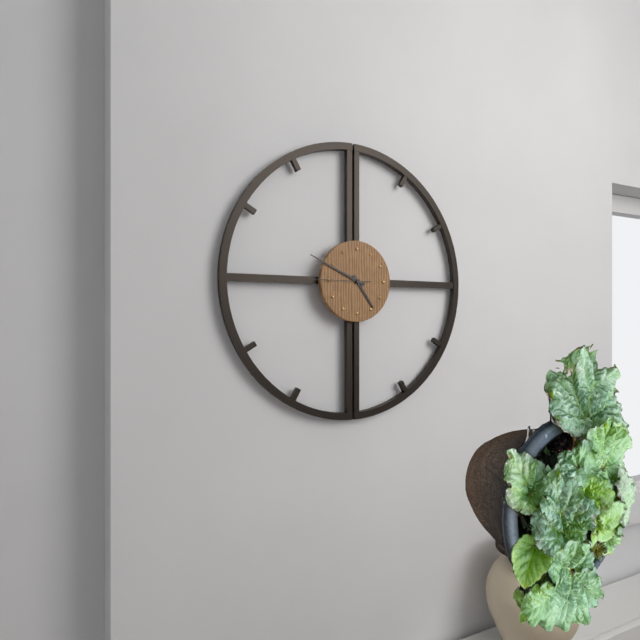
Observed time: 4:49
